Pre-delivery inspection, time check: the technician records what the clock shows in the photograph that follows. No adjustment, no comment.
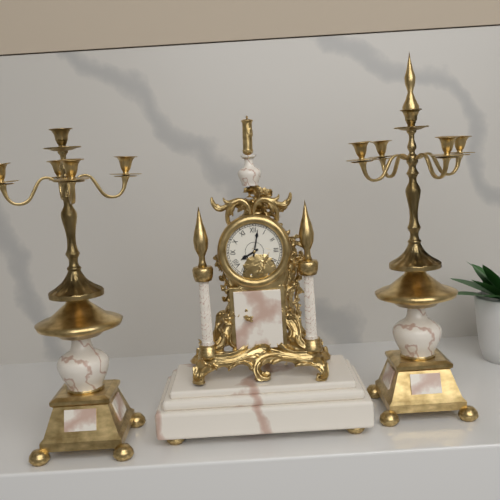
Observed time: 8:02
